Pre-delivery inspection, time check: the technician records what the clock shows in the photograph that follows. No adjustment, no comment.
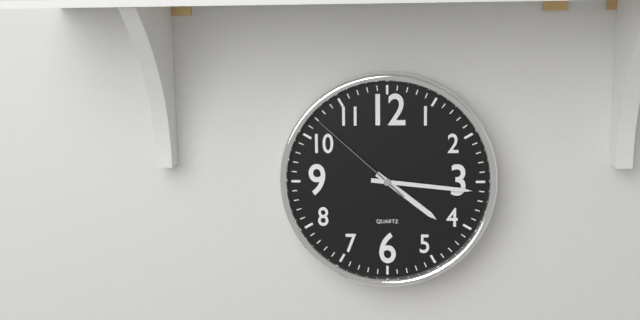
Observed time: 4:16:52
